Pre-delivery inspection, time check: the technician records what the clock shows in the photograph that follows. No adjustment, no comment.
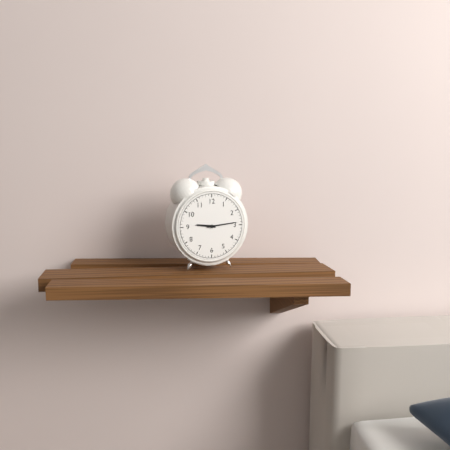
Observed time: 9:14
